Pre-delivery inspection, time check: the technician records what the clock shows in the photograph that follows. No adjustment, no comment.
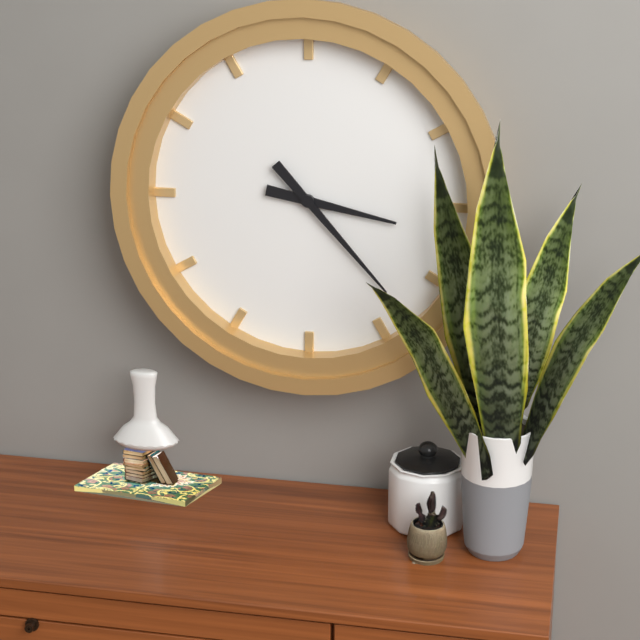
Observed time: 3:23
